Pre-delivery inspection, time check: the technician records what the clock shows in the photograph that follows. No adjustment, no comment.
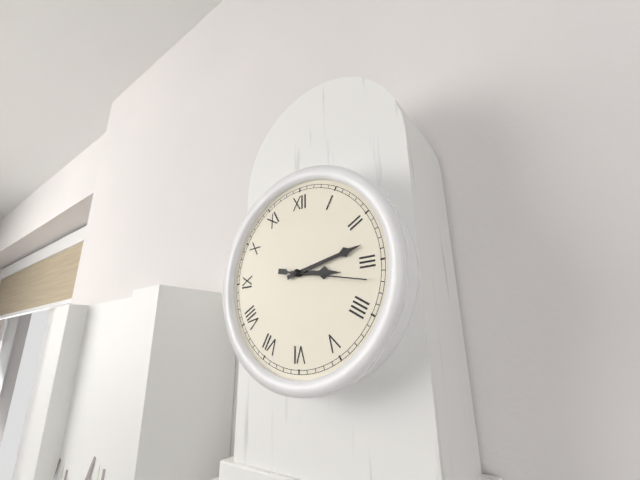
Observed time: 3:13:17
